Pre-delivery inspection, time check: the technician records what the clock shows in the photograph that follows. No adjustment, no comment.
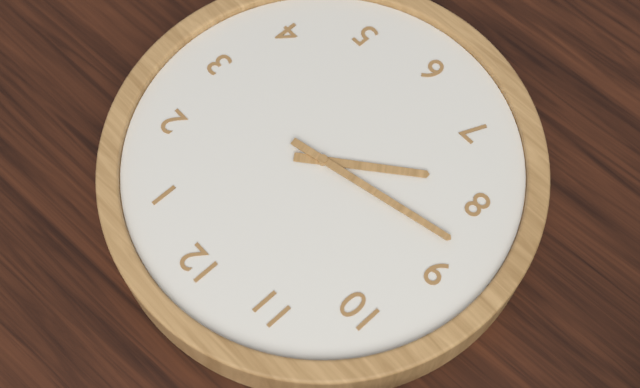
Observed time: 7:43
